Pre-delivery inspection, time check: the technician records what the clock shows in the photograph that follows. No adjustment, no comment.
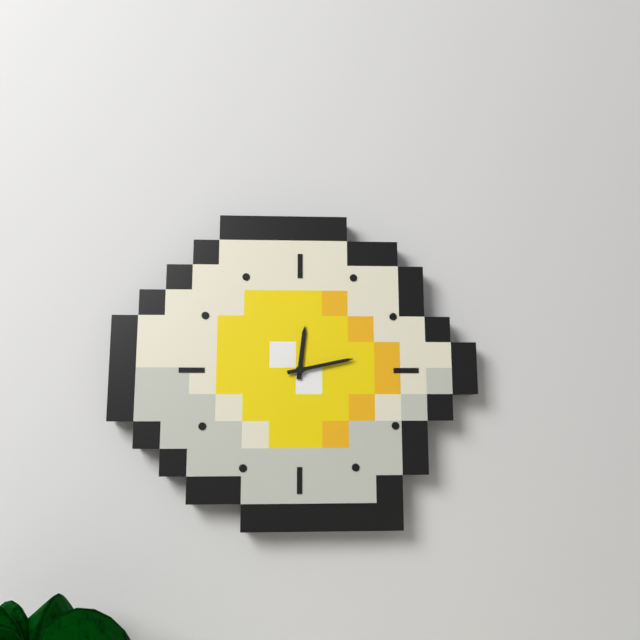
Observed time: 12:13
